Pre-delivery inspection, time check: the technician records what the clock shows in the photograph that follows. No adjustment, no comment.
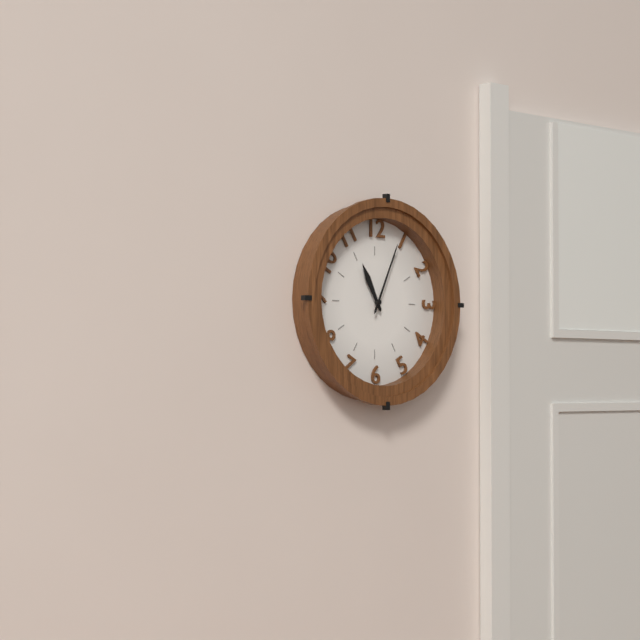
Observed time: 11:04
